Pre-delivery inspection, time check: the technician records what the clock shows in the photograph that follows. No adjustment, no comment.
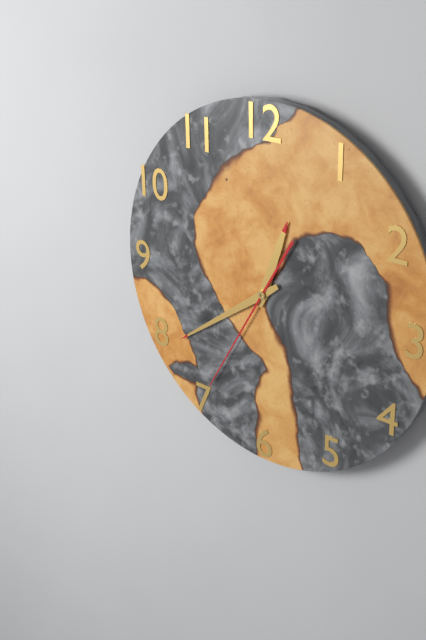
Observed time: 12:39:35
